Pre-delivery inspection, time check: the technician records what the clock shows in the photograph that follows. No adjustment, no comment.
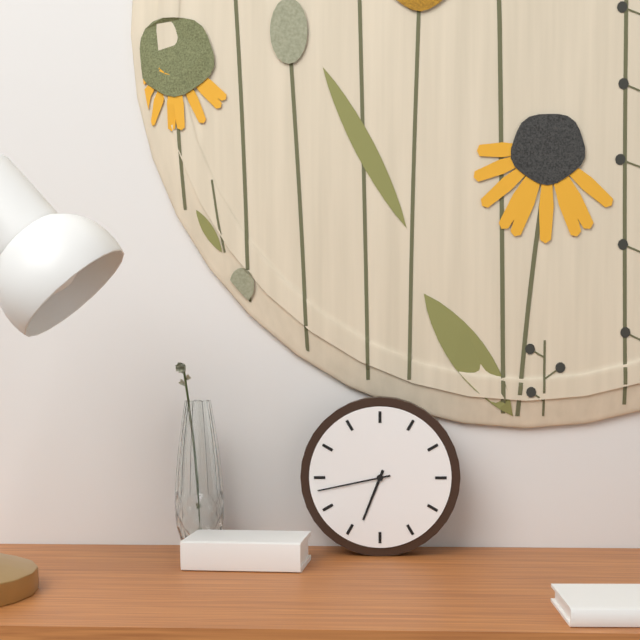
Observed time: 6:43
